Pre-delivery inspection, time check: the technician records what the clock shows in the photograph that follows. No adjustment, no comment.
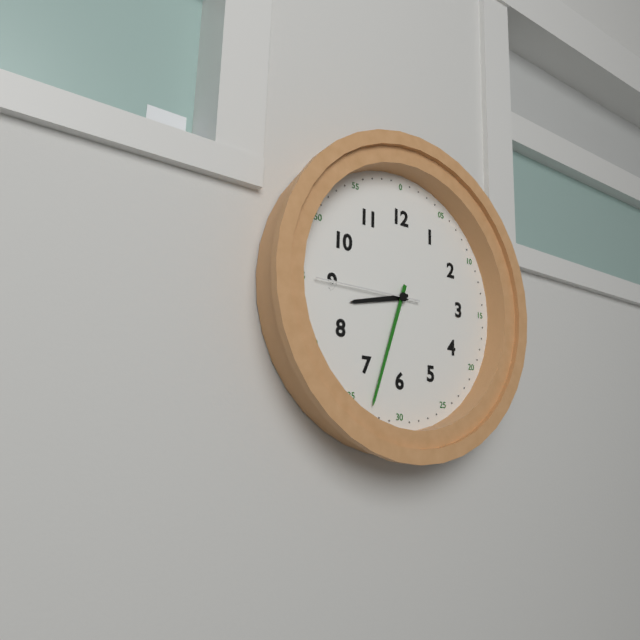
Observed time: 8:33:45
